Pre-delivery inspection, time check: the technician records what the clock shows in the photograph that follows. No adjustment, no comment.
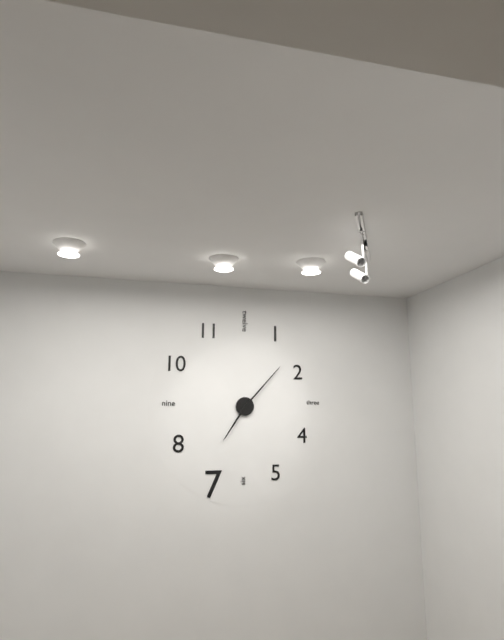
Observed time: 7:07
